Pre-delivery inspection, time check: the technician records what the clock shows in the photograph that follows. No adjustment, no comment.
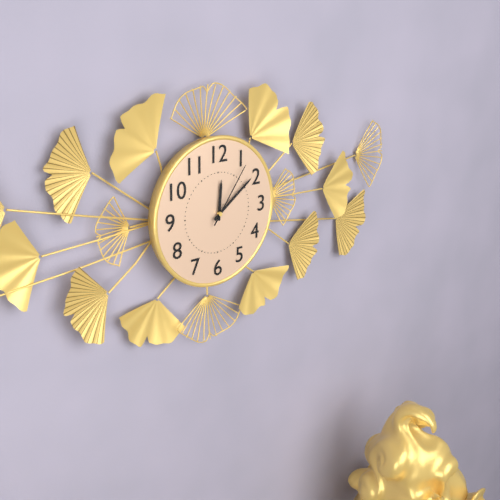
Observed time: 12:09:06
